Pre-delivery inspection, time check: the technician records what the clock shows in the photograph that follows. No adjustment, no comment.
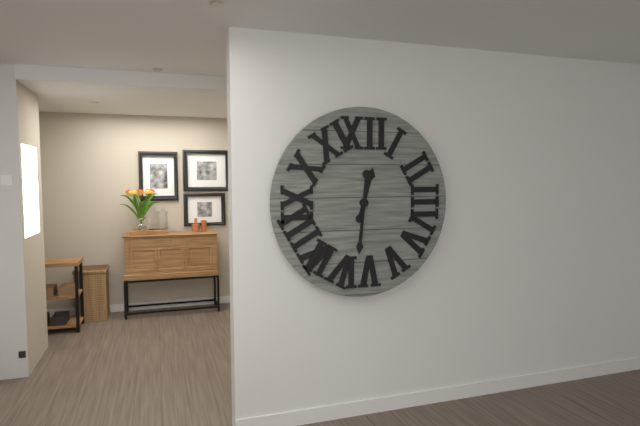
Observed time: 12:31
